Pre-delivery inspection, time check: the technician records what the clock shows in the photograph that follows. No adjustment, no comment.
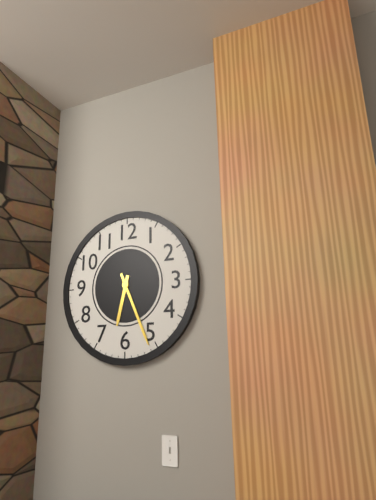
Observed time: 6:26
